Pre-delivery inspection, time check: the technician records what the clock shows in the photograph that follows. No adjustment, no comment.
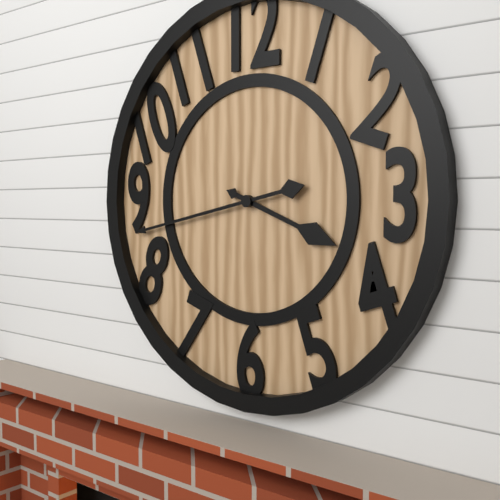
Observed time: 3:43
